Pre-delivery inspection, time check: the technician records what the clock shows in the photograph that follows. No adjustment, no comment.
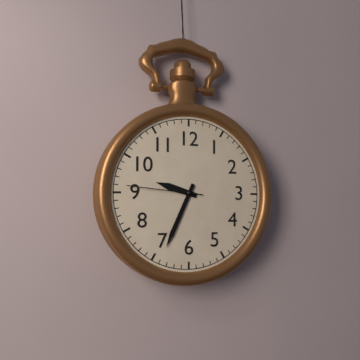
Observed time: 9:34:46
